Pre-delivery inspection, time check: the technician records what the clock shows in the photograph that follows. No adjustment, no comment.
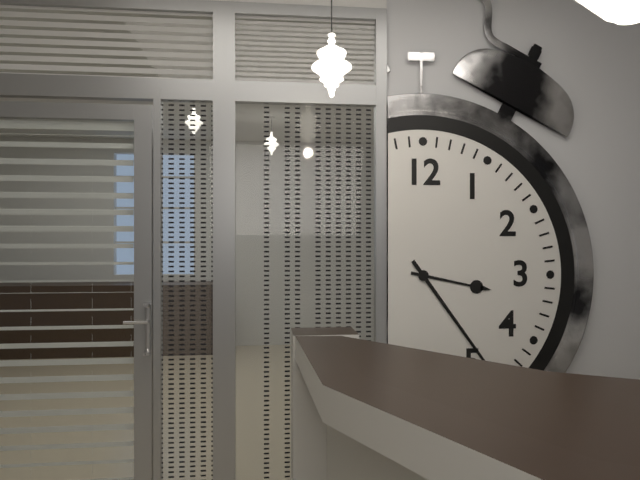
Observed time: 3:24
